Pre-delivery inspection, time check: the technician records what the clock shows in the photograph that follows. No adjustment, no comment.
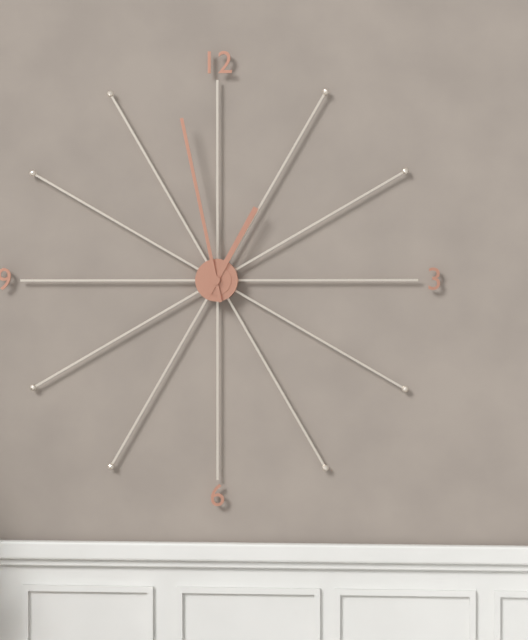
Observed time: 12:58
